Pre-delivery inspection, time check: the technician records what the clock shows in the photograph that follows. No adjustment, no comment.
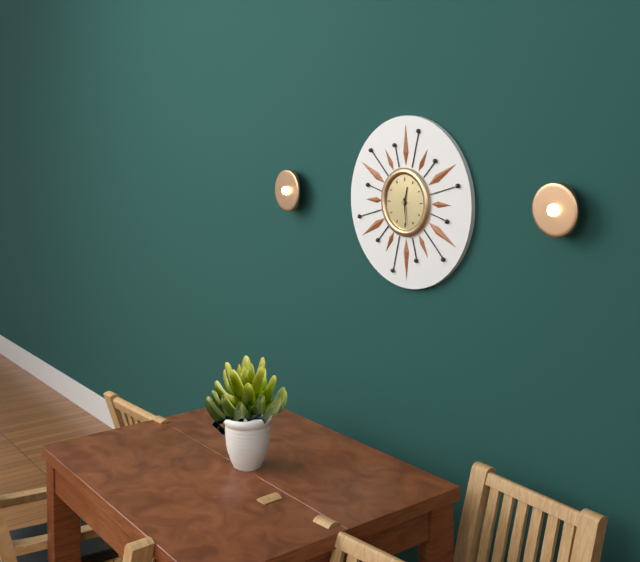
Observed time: 12:29
